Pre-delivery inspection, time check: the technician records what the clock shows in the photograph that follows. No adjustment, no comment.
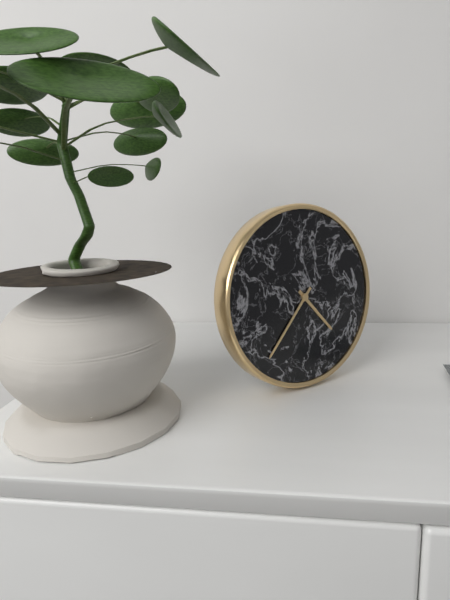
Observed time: 4:37
